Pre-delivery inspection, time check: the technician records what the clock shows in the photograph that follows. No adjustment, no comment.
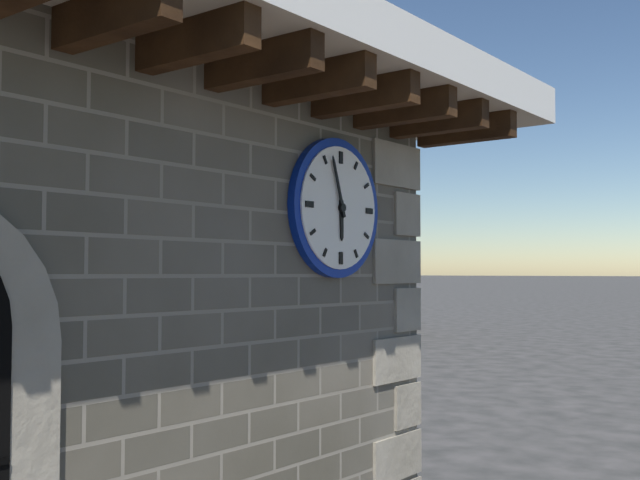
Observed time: 5:57
